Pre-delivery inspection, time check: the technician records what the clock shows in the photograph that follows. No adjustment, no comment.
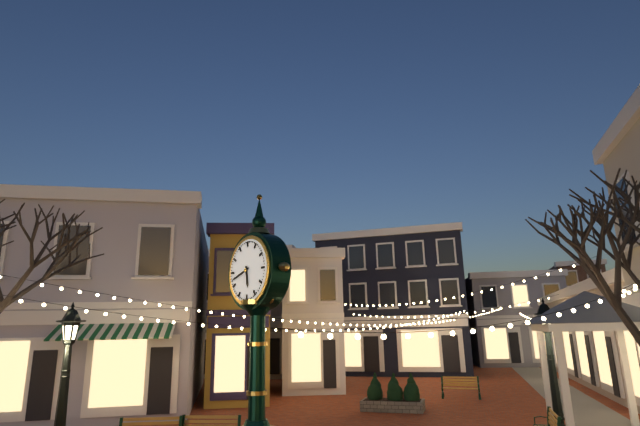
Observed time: 5:42
